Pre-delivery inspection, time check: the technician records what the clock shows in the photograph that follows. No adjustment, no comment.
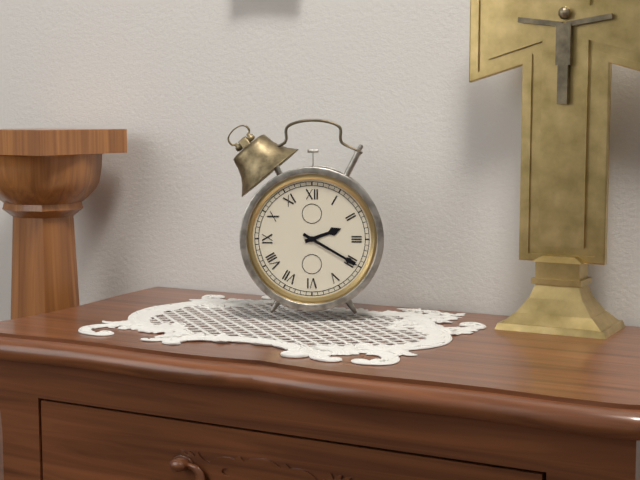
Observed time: 2:20
